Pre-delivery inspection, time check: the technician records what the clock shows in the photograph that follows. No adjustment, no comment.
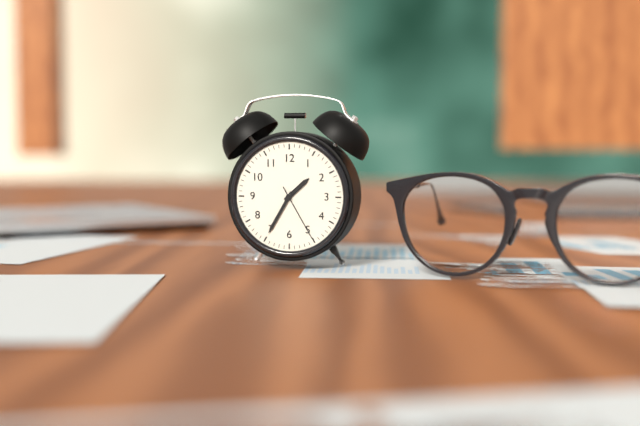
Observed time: 1:35:25
